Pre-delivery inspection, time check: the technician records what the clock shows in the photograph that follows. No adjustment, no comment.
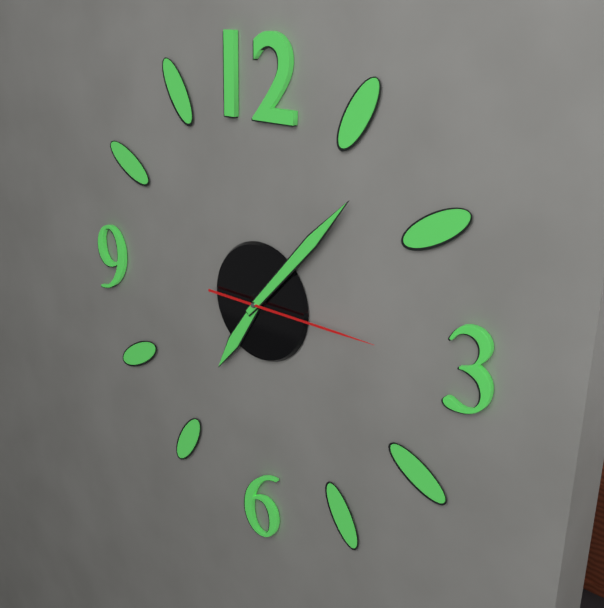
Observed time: 7:07:15
